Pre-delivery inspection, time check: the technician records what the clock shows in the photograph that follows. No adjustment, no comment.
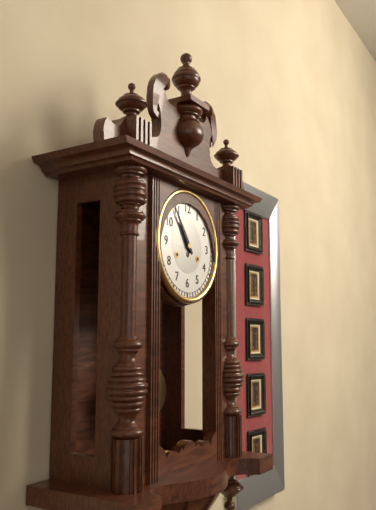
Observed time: 10:54
